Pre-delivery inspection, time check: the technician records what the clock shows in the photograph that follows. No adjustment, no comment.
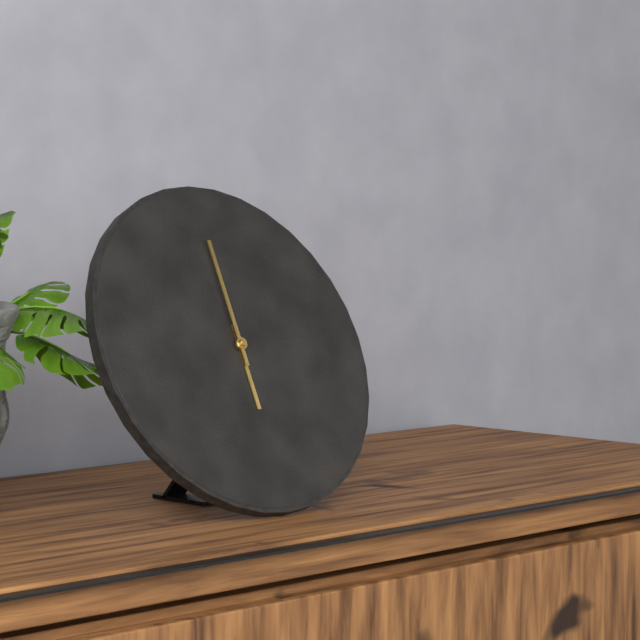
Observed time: 6:00
